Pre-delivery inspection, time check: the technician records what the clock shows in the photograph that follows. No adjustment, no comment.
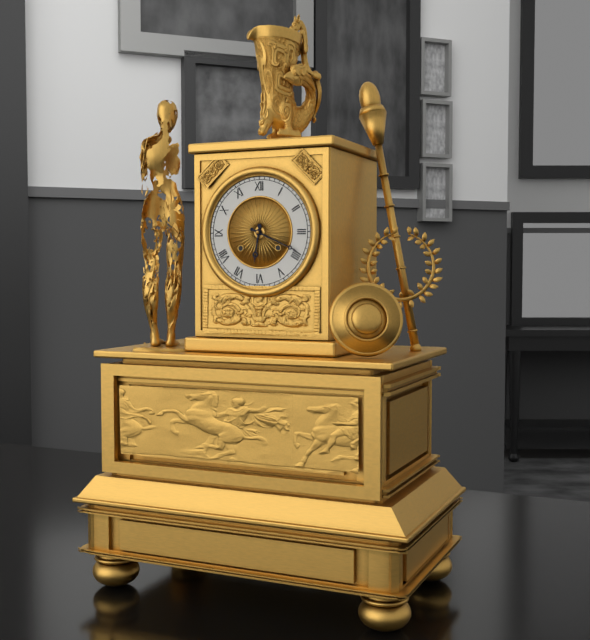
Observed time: 6:19
